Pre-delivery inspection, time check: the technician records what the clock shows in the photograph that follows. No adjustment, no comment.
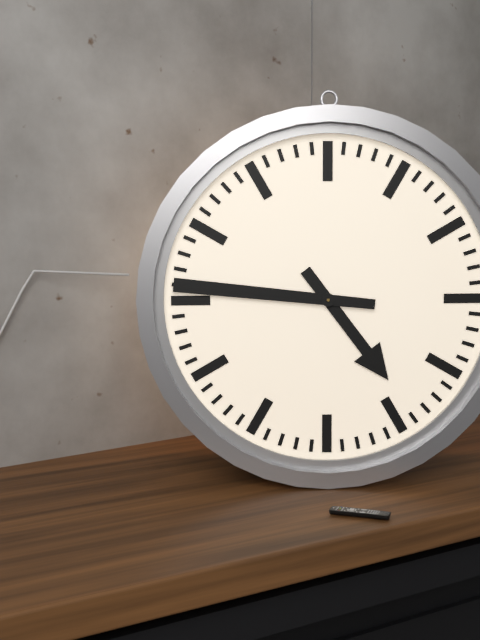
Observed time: 4:46
